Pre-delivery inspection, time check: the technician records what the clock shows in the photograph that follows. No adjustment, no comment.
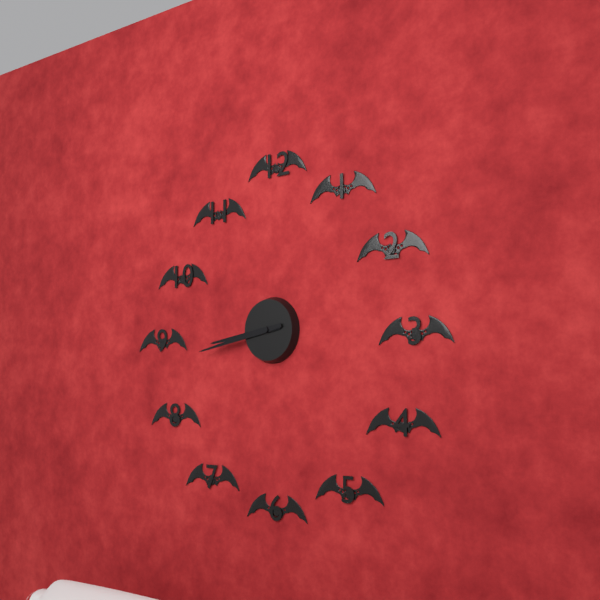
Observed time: 8:43
